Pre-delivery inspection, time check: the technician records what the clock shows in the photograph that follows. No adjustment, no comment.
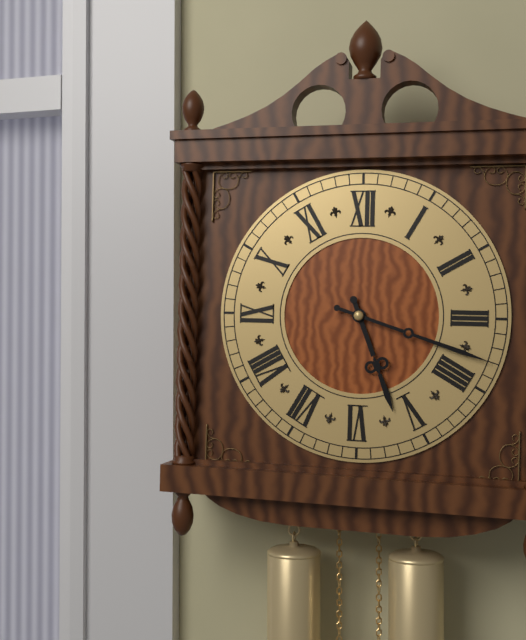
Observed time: 5:18
